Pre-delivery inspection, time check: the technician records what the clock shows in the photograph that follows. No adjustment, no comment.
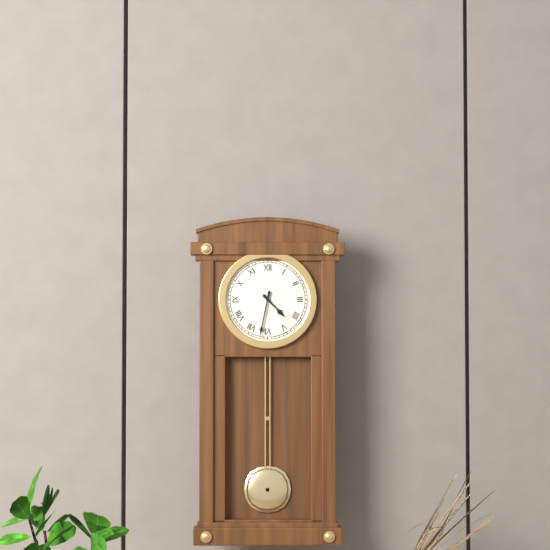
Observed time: 4:32
